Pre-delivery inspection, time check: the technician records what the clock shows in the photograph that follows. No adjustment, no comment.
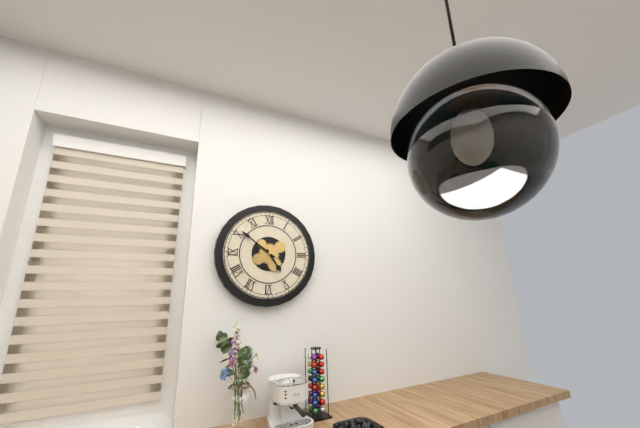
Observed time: 4:51
